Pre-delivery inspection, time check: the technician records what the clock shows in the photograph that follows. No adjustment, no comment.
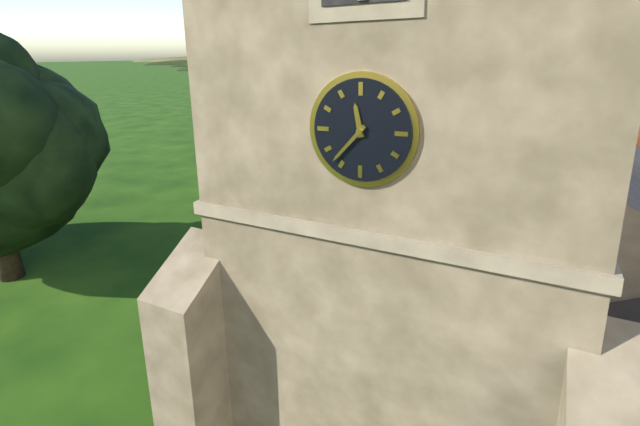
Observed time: 11:37
